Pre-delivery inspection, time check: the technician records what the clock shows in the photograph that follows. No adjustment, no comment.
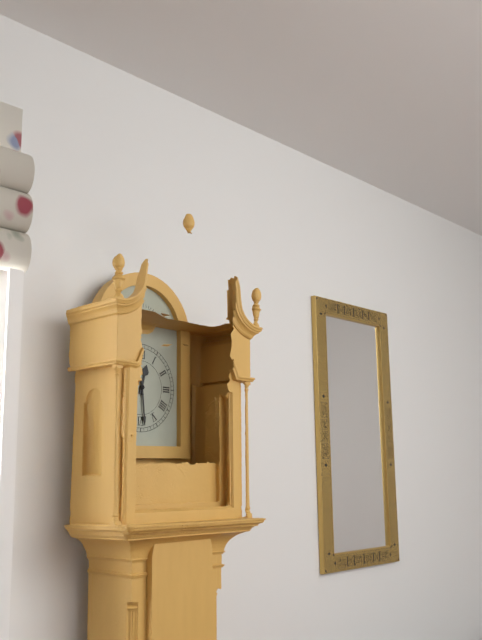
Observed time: 12:29
